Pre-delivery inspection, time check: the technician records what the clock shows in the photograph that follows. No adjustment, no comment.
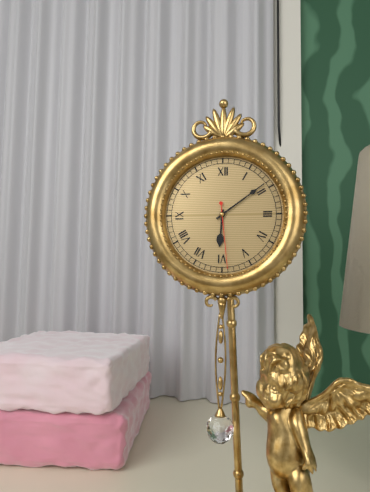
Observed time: 6:09:29
